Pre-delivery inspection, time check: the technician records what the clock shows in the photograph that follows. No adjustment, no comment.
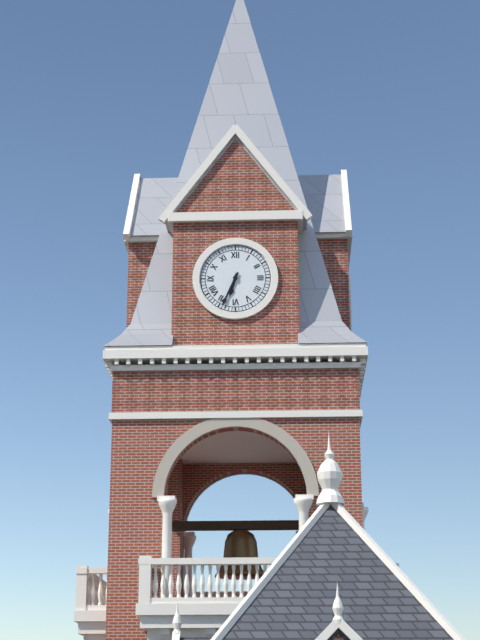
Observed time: 6:34
